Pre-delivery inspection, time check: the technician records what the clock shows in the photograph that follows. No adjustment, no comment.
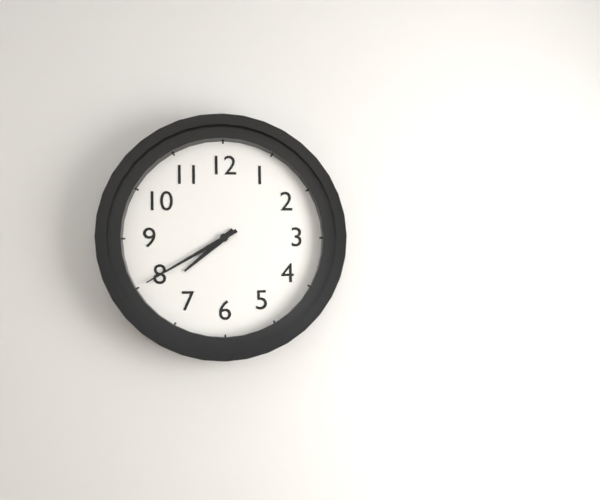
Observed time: 7:40
